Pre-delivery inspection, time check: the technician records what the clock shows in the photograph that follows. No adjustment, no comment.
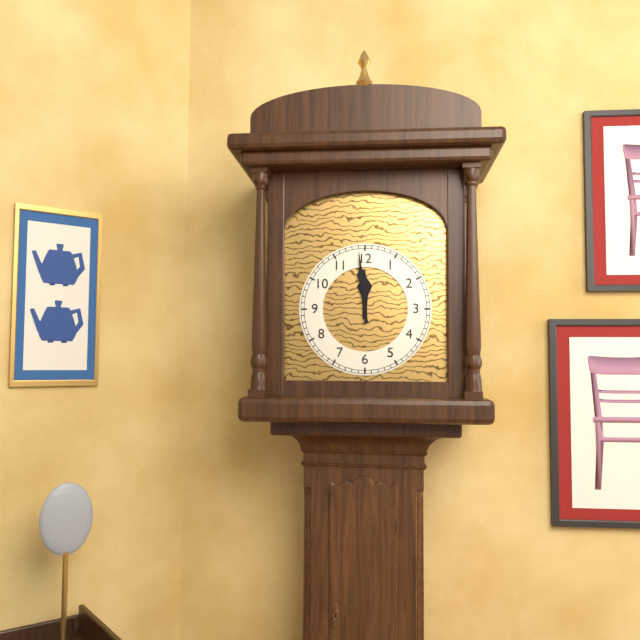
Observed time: 11:59
